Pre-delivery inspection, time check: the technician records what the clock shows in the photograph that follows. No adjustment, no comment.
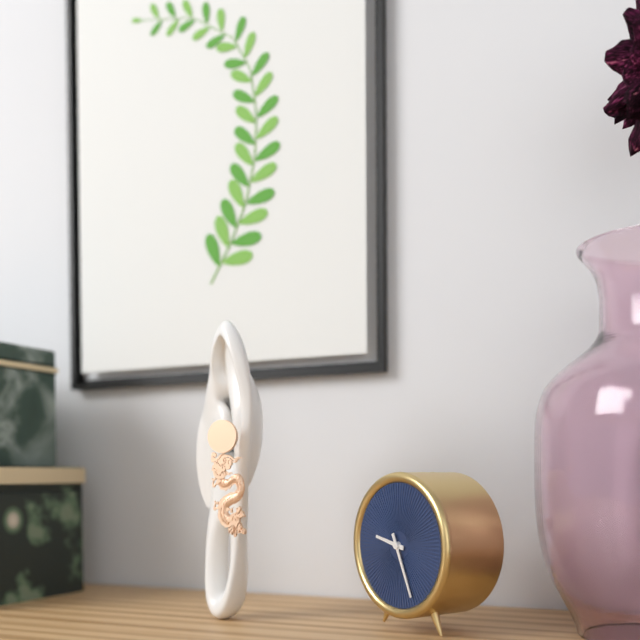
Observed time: 9:26
